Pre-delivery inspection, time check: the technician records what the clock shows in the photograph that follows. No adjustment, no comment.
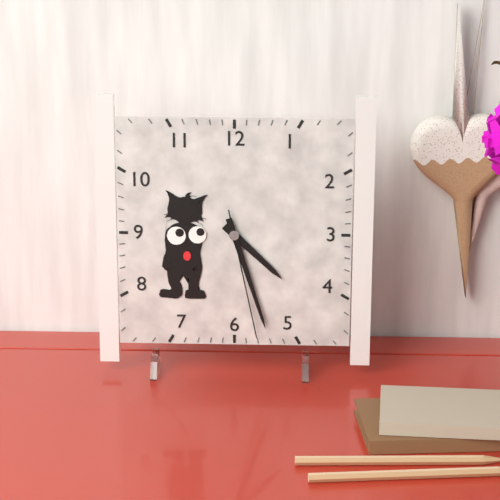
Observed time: 4:27:28
